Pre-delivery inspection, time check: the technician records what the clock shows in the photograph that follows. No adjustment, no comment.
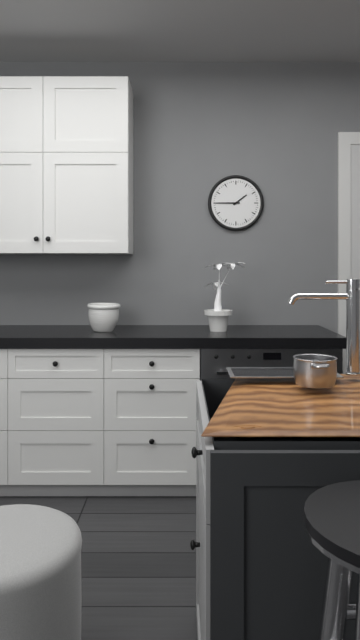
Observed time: 1:45
